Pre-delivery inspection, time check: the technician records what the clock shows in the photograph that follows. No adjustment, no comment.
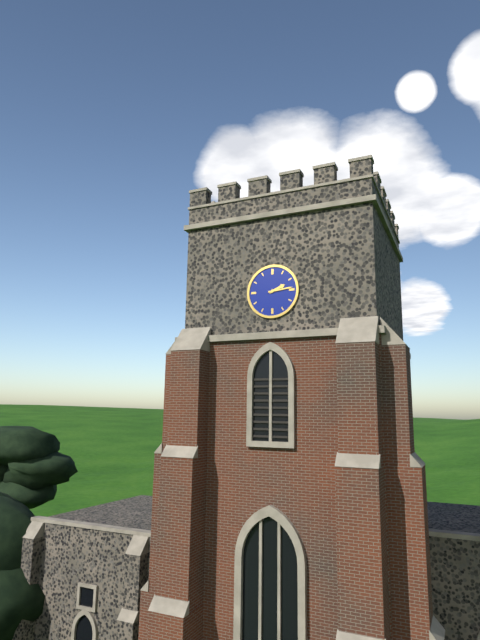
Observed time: 2:14
